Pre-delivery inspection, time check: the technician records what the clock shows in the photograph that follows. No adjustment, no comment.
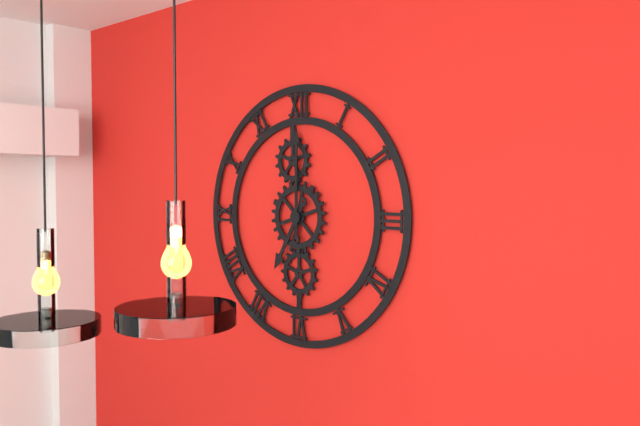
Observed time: 7:00
